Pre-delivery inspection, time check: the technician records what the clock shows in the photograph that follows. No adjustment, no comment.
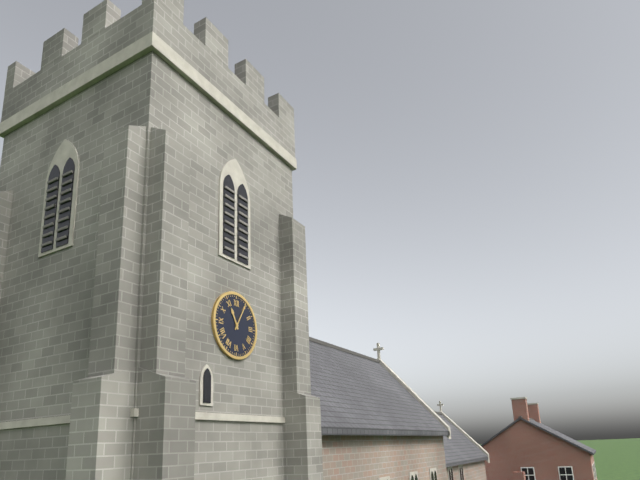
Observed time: 11:05
